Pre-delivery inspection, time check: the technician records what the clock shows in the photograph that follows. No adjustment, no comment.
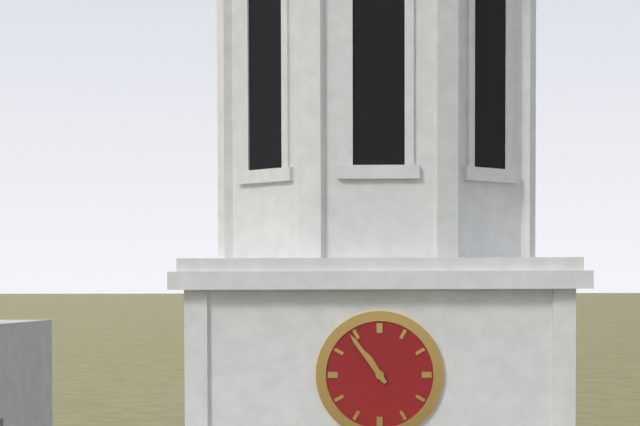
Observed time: 10:54
